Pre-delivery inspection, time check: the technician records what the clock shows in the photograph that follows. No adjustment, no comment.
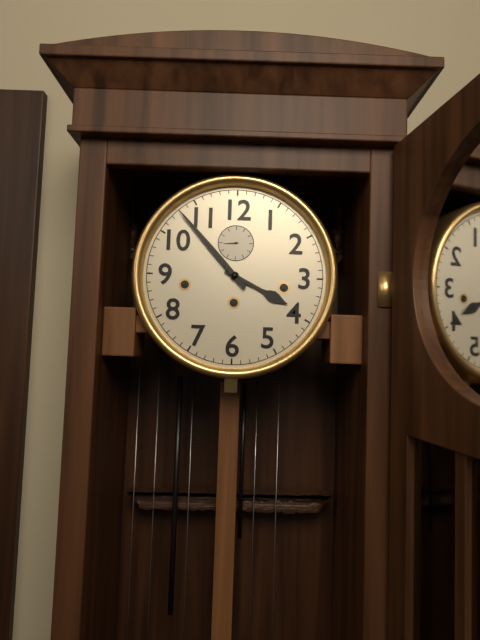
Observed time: 3:53
